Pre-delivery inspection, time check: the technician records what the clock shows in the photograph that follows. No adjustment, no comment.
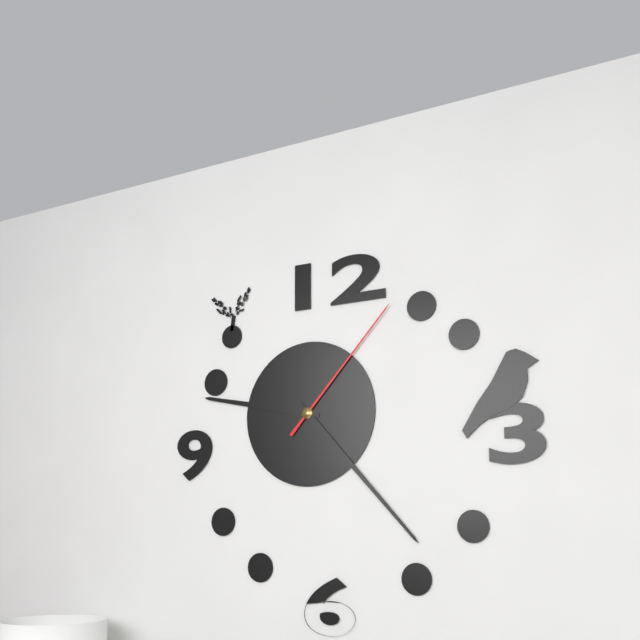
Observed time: 9:23:07
